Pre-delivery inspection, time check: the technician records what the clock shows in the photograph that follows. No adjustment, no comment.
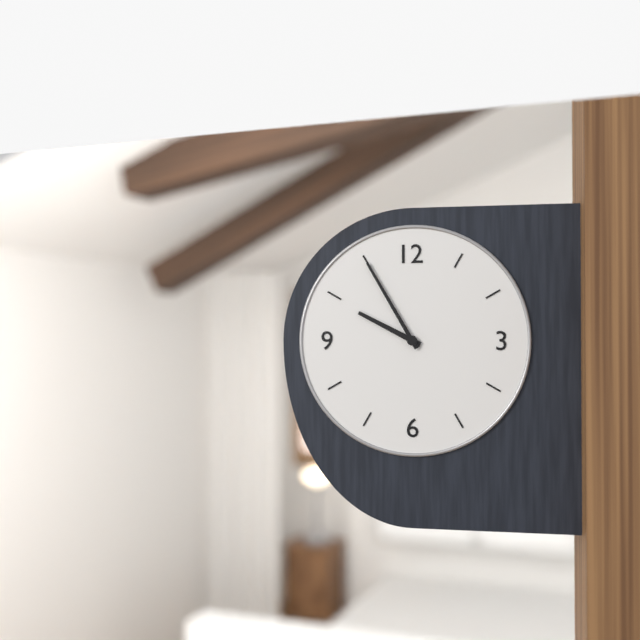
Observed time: 9:55
